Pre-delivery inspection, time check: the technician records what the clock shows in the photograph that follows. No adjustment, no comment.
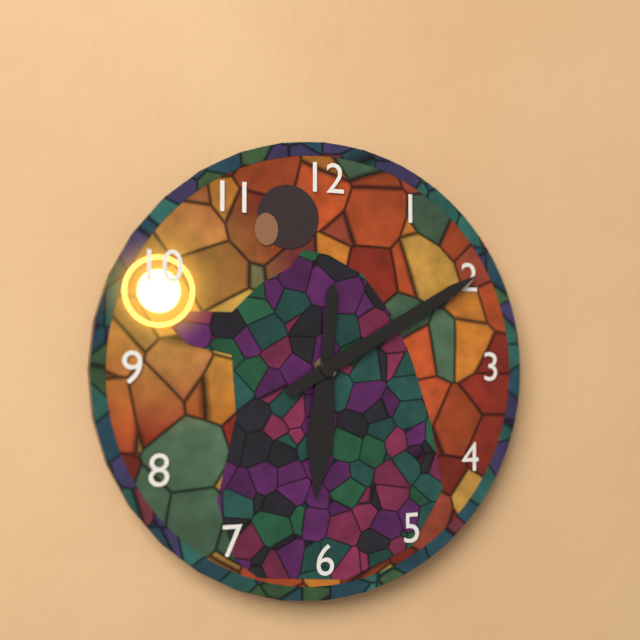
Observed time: 6:10
